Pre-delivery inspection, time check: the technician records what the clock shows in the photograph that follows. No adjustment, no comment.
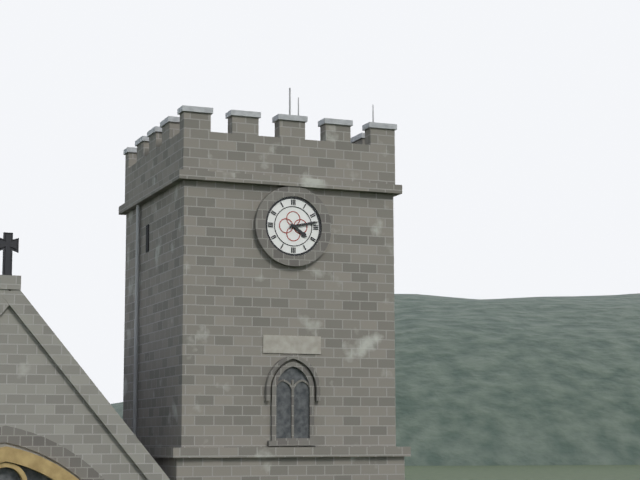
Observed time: 4:13
